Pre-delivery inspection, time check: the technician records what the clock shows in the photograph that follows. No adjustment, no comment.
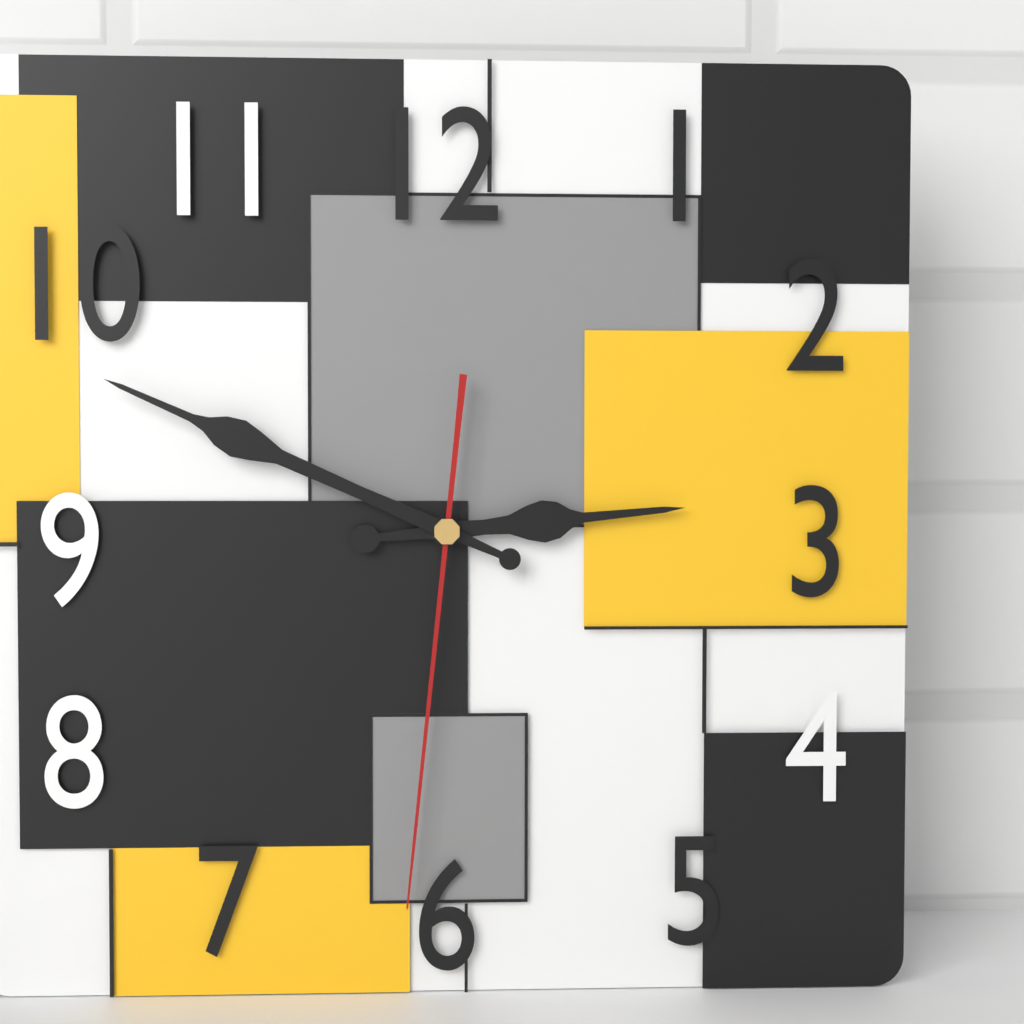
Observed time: 2:49:31
